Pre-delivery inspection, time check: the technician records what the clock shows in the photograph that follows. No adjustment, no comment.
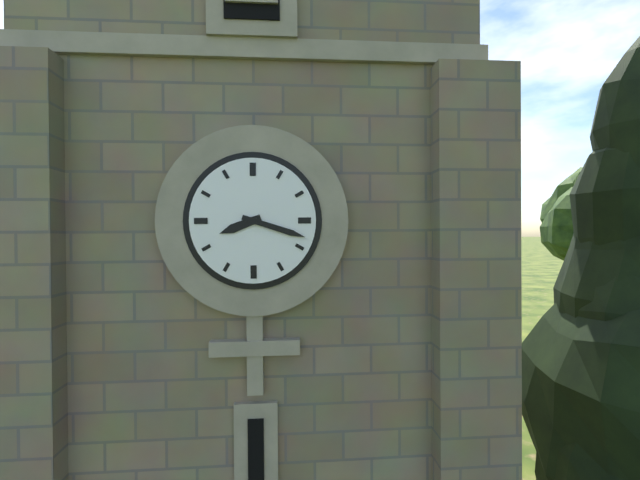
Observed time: 8:18
